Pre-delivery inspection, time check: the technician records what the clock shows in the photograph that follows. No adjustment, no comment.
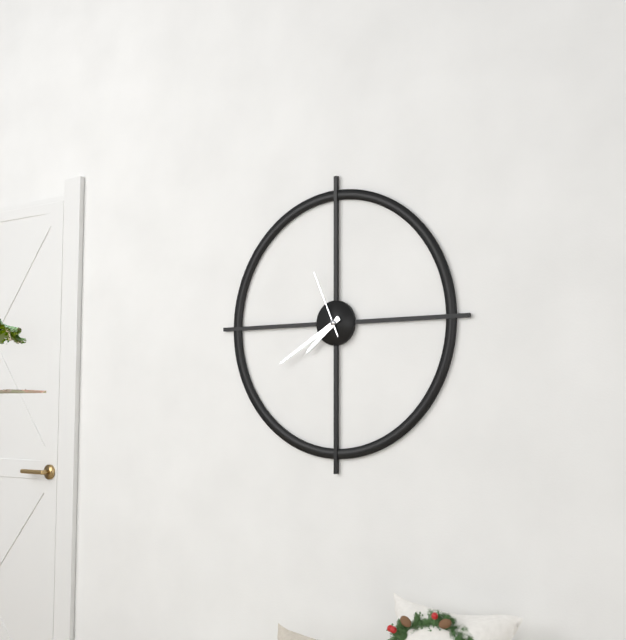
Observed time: 7:40:56
